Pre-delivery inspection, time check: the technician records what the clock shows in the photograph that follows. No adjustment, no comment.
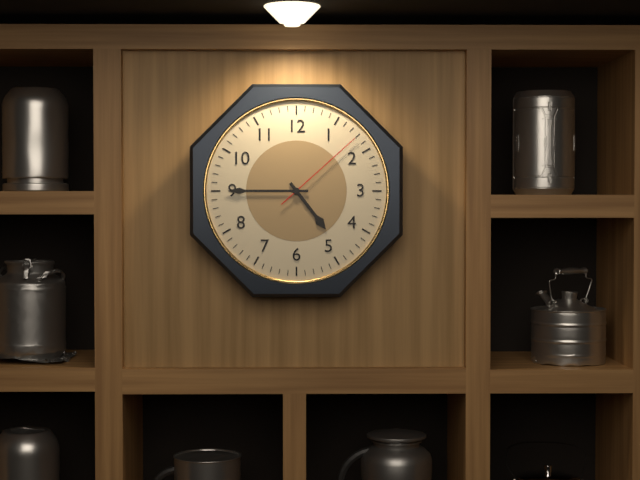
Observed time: 4:45:08
